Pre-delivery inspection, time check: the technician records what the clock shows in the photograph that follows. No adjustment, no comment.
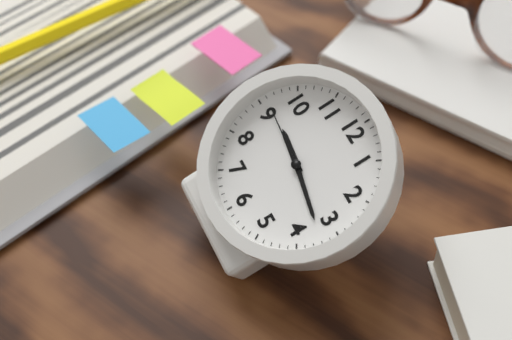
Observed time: 9:17:46
